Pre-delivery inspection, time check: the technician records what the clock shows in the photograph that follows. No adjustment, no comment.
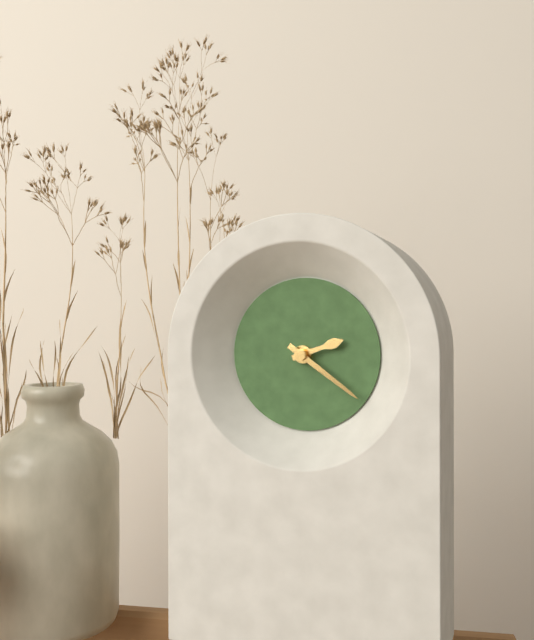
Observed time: 2:21
